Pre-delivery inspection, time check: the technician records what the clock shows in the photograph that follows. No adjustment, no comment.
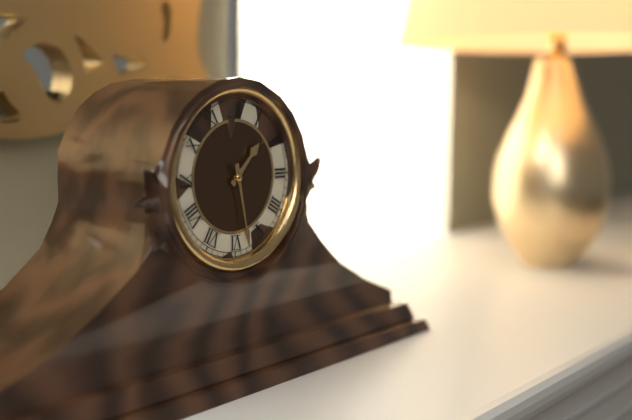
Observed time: 1:28
